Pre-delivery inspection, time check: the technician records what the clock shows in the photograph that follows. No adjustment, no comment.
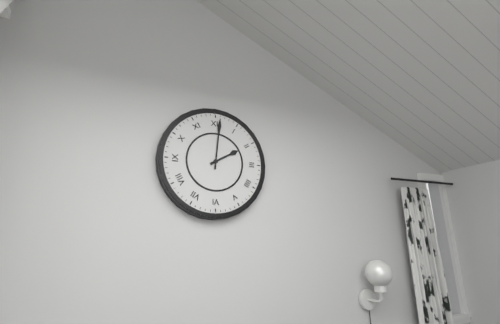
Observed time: 2:01
